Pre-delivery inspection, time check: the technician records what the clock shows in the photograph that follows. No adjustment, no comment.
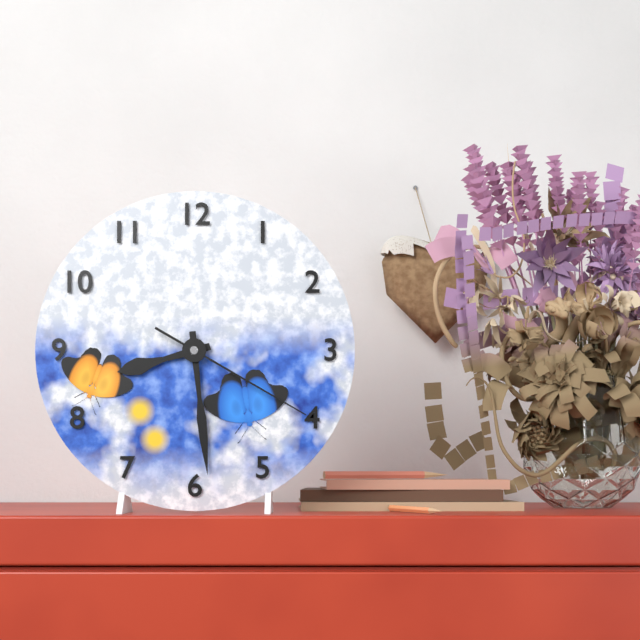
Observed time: 8:29:20
